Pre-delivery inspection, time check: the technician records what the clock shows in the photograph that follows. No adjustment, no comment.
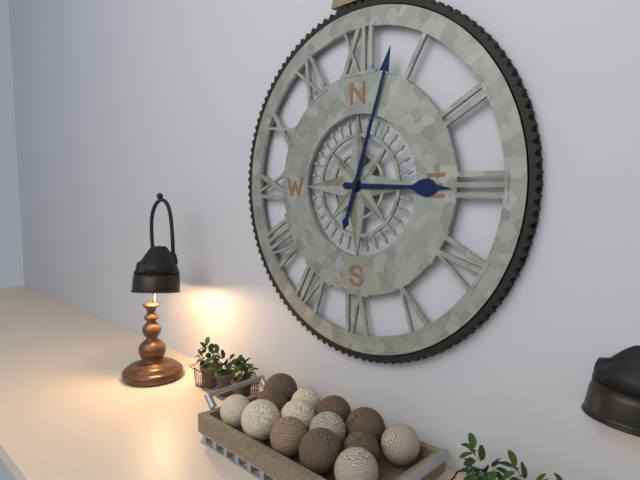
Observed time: 3:03
